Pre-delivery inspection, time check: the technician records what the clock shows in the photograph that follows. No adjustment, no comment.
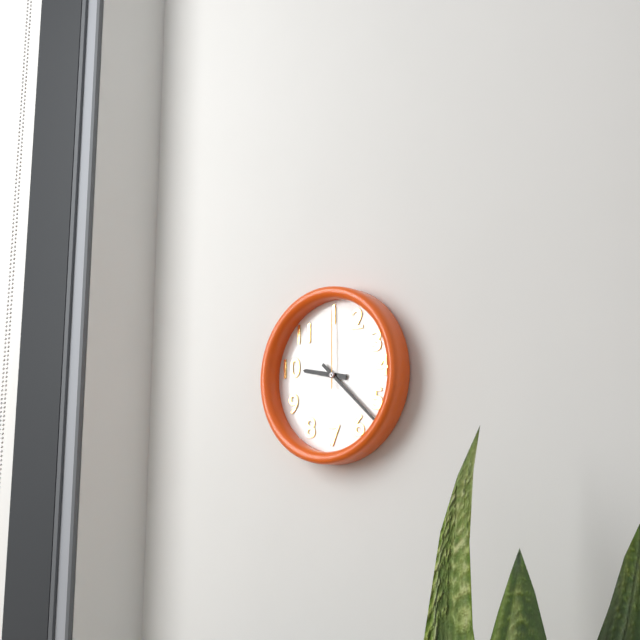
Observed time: 9:22:00
